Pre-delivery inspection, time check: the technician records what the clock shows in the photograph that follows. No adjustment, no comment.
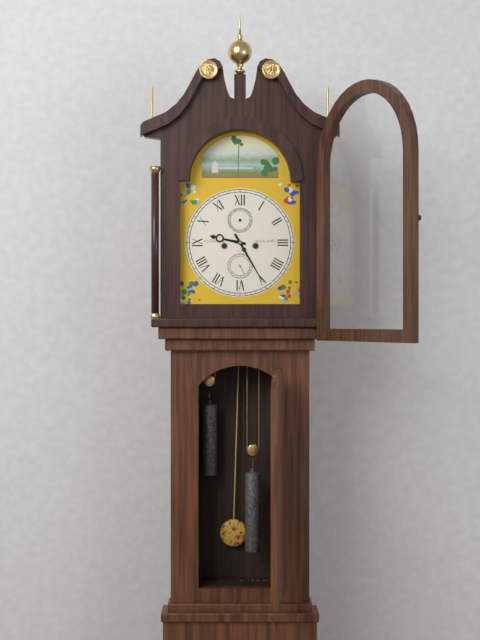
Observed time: 9:25
